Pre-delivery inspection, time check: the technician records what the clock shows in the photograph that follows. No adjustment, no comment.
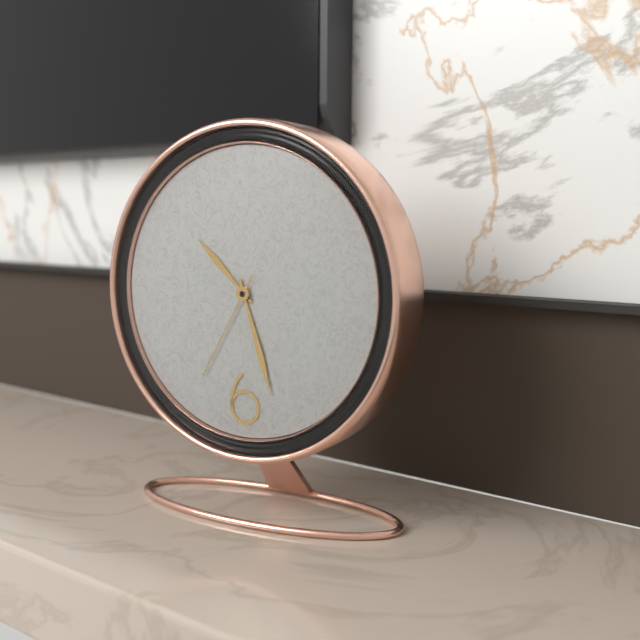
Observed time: 10:27:35
